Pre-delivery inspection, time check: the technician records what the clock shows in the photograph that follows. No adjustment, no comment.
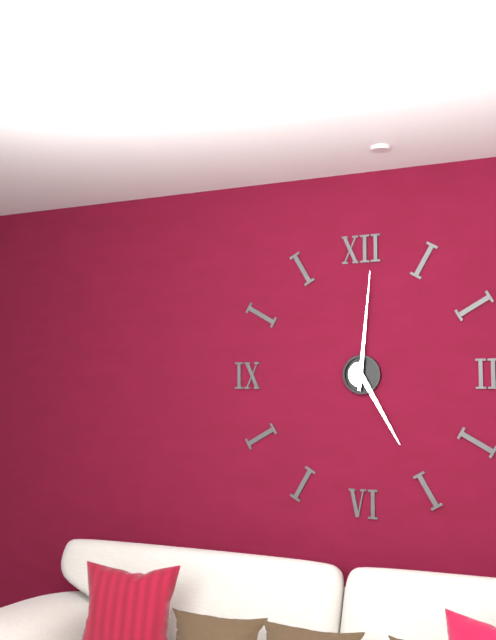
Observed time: 5:01
